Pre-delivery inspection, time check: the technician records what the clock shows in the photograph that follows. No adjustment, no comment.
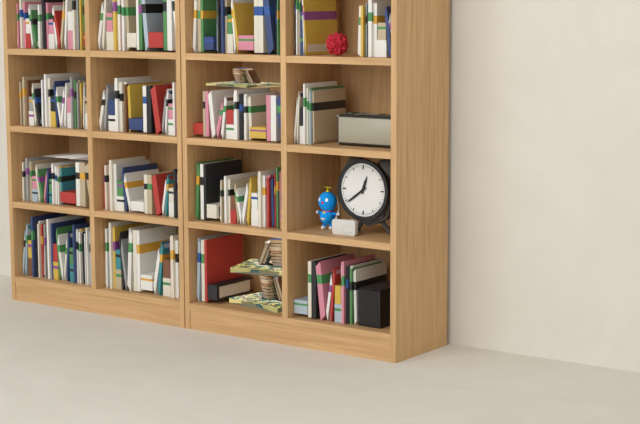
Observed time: 12:39
